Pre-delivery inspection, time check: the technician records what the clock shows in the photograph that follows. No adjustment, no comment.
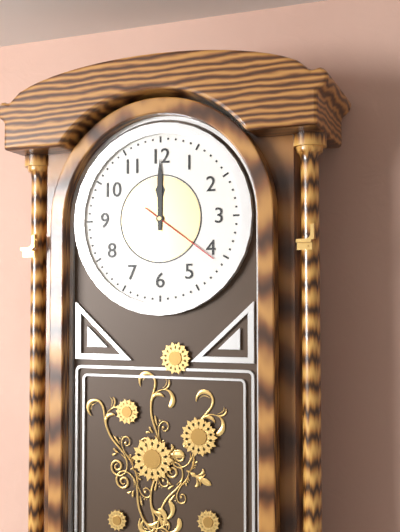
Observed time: 12:00
